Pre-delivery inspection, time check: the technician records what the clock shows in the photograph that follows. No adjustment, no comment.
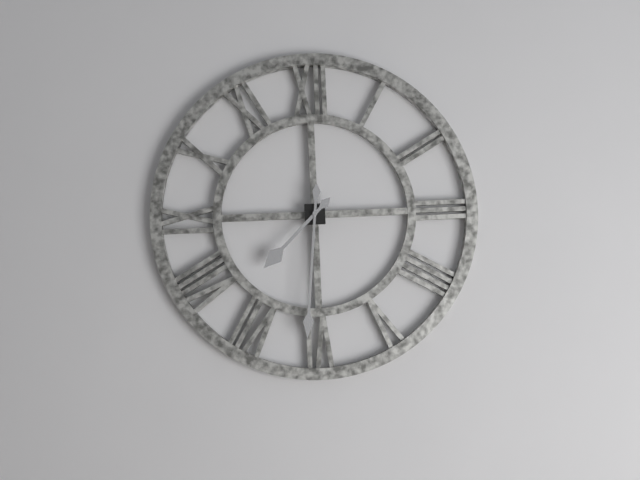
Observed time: 7:31
